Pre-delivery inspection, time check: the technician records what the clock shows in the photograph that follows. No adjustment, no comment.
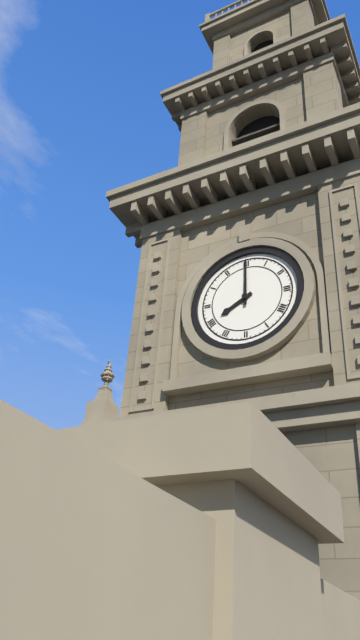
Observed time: 8:00
